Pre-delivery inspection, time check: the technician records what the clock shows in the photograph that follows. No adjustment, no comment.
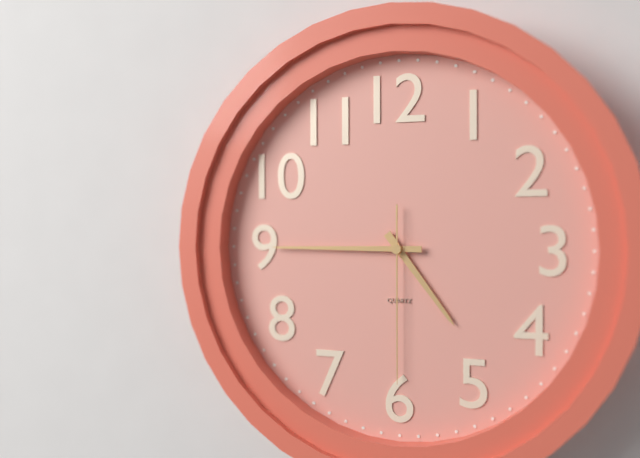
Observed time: 4:45:30
